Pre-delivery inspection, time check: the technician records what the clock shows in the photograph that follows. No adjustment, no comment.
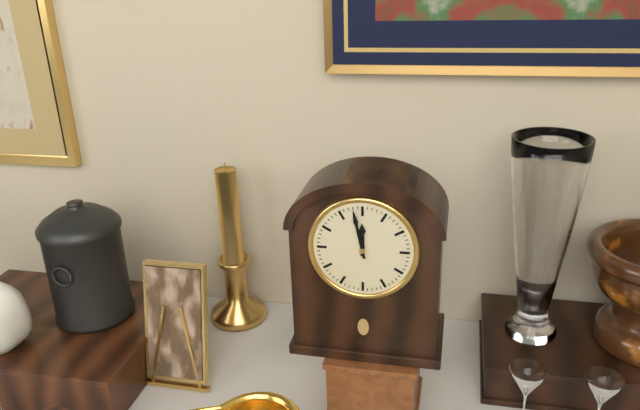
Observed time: 11:58
